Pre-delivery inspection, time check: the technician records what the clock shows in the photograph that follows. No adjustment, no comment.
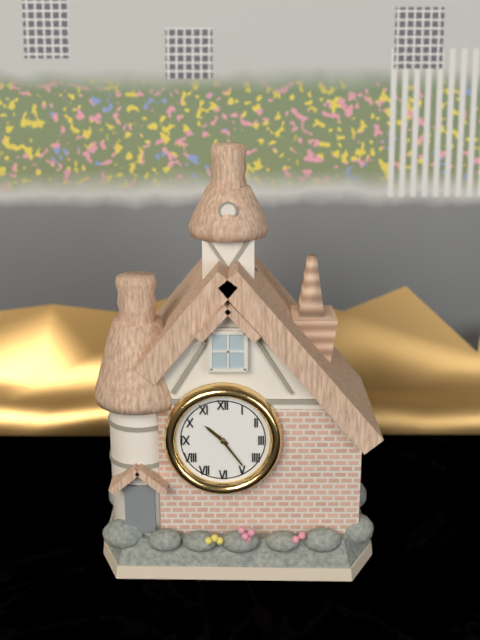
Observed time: 10:24
